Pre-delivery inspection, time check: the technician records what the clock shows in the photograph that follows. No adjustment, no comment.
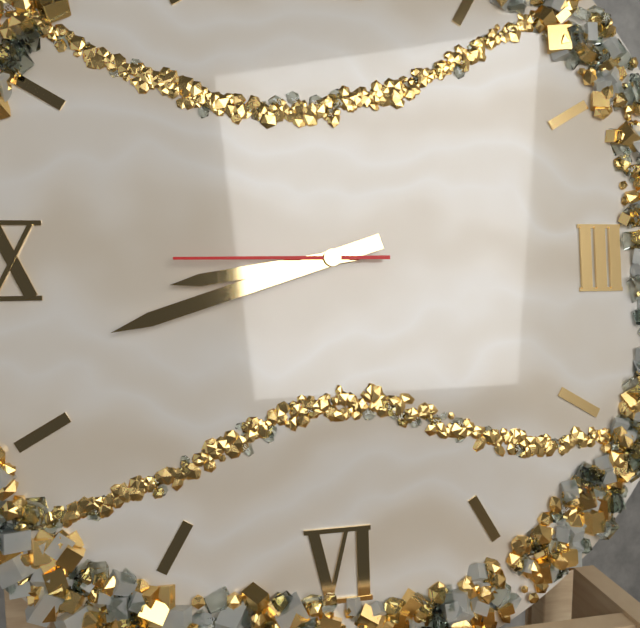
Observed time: 8:42:45
